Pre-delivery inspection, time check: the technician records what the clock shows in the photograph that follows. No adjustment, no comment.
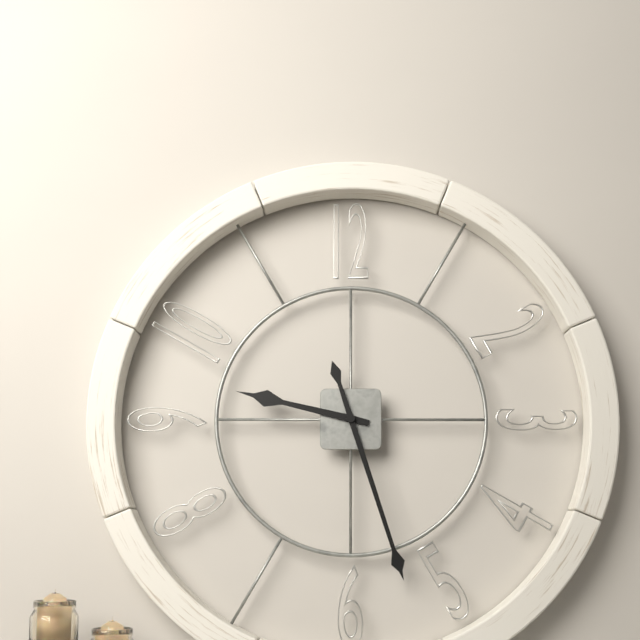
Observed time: 9:27
